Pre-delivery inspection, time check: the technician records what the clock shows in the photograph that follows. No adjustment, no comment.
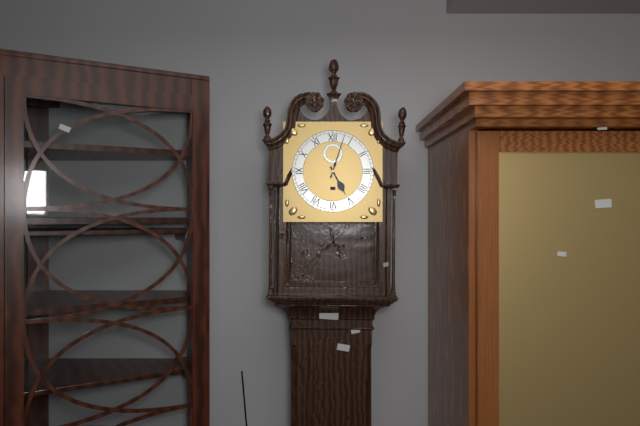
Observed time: 5:03
